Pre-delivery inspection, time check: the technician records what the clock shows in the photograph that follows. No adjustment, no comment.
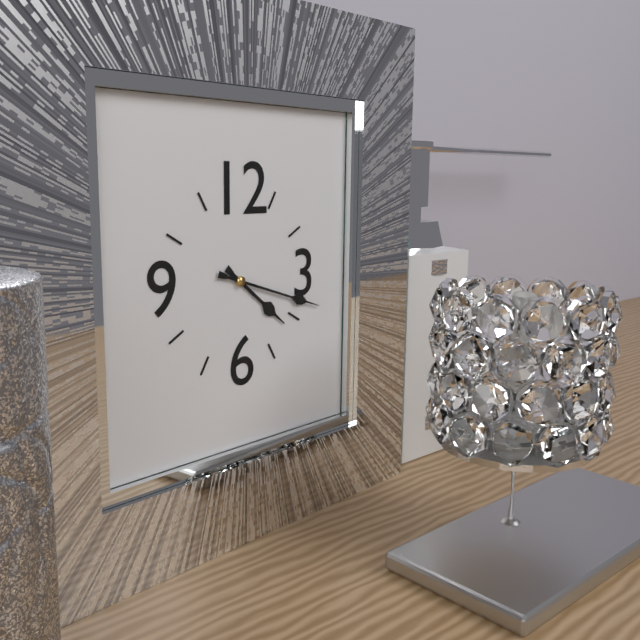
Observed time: 4:18
